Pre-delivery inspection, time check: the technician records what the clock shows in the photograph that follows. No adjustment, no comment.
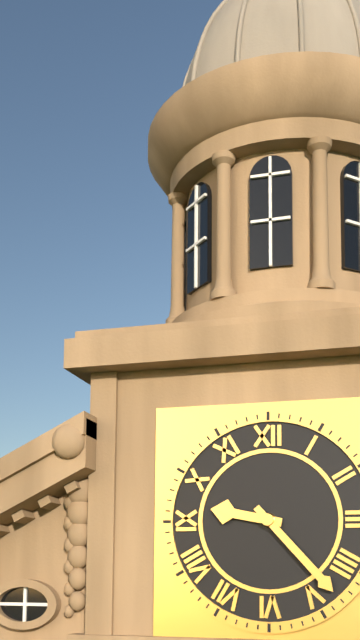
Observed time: 9:23
